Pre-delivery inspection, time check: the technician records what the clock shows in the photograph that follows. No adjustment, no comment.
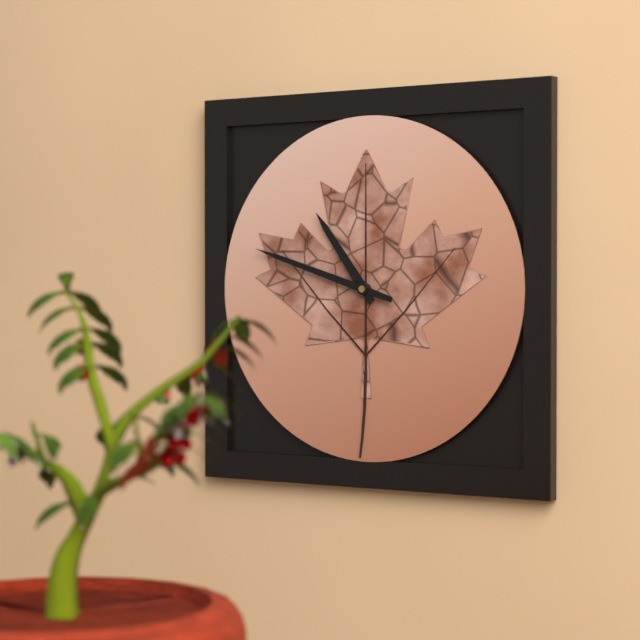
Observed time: 10:48
